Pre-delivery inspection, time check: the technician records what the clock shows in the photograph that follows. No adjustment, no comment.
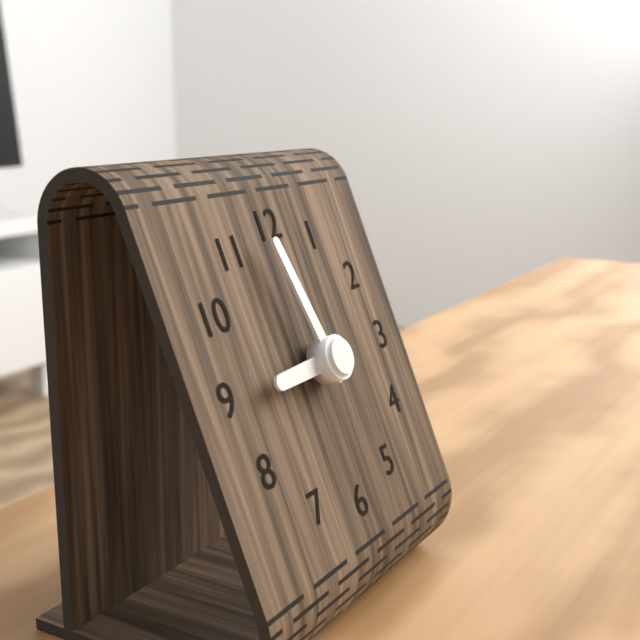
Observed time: 8:58
